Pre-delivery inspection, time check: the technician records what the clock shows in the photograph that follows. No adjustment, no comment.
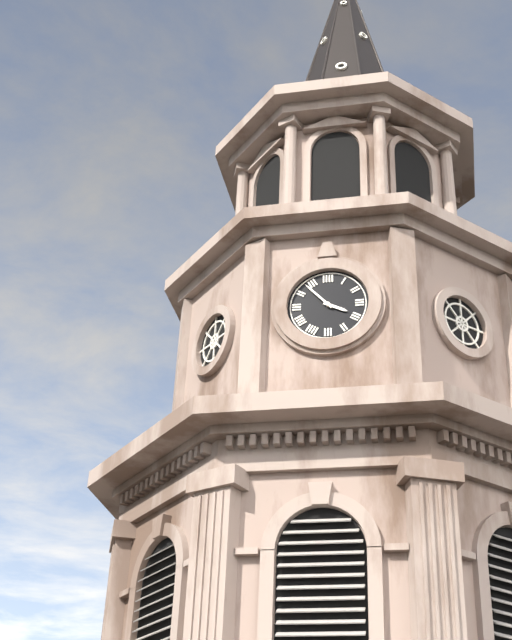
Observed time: 3:53
